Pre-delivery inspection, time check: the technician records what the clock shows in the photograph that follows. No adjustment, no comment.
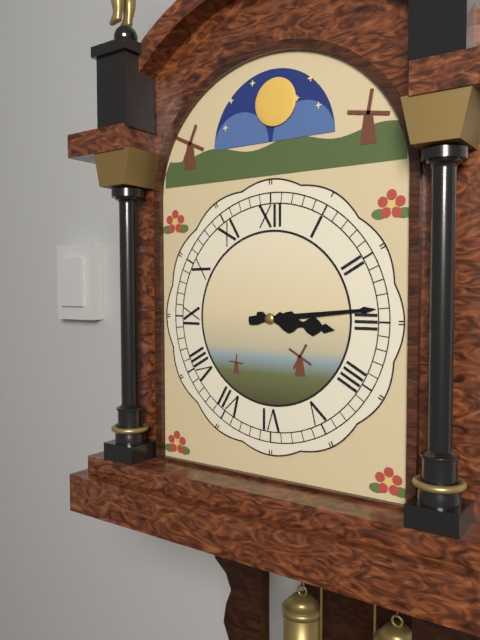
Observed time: 3:14
